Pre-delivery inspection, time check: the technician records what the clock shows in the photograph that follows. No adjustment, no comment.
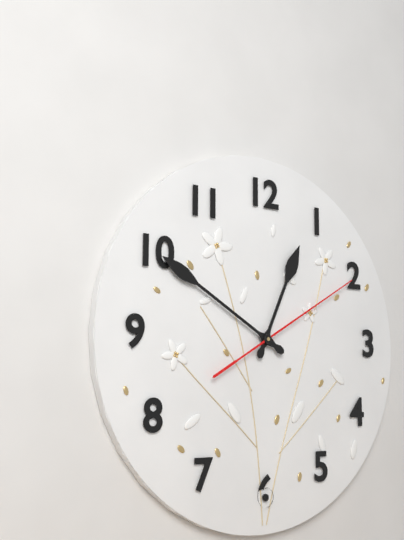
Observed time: 12:50:10
